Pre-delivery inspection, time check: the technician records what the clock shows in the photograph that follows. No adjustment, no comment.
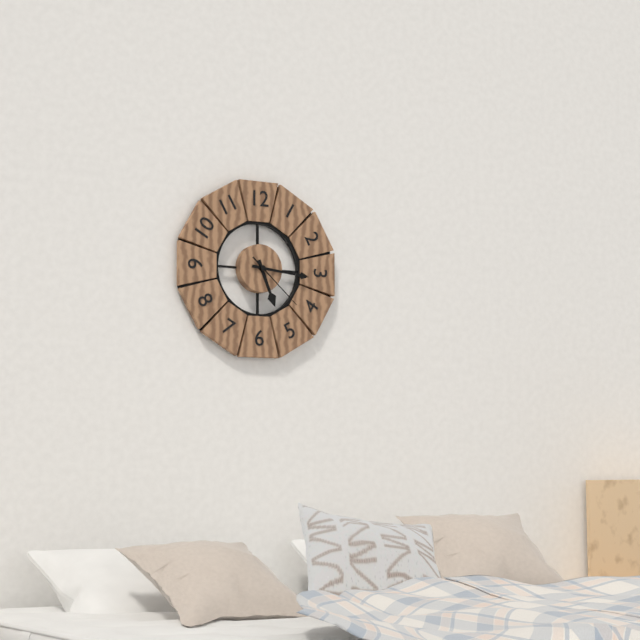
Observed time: 5:16:22
